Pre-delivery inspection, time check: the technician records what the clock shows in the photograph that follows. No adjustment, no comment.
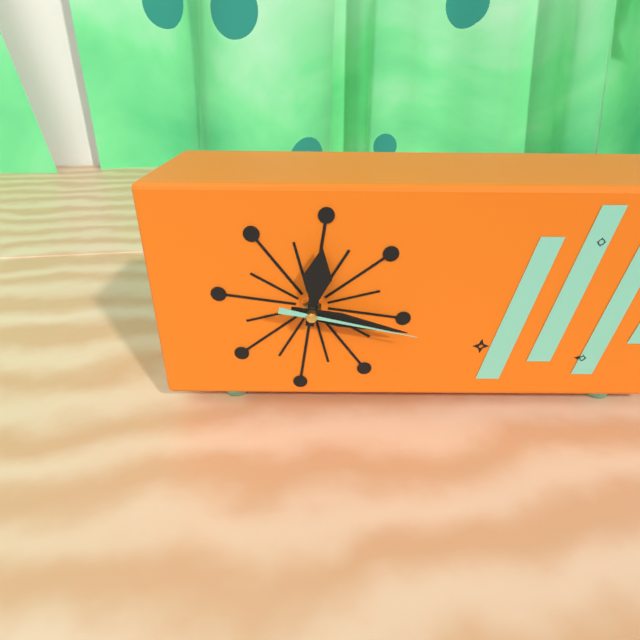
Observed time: 12:17:17
